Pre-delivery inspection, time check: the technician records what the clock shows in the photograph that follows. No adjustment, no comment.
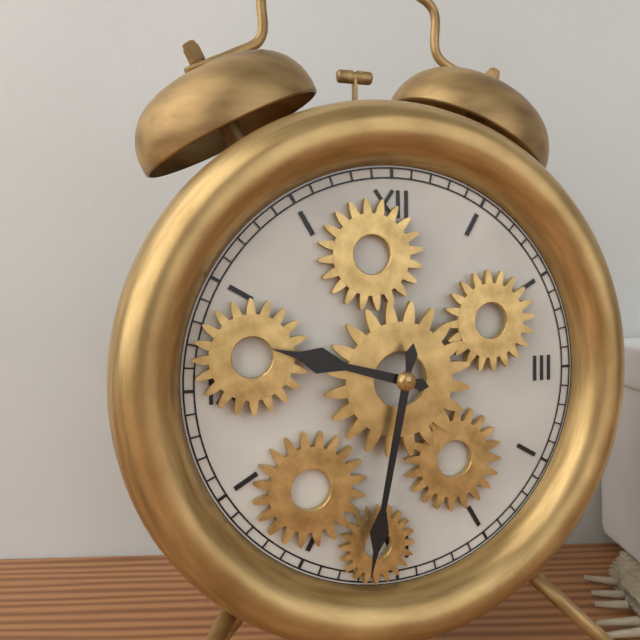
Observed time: 9:32
